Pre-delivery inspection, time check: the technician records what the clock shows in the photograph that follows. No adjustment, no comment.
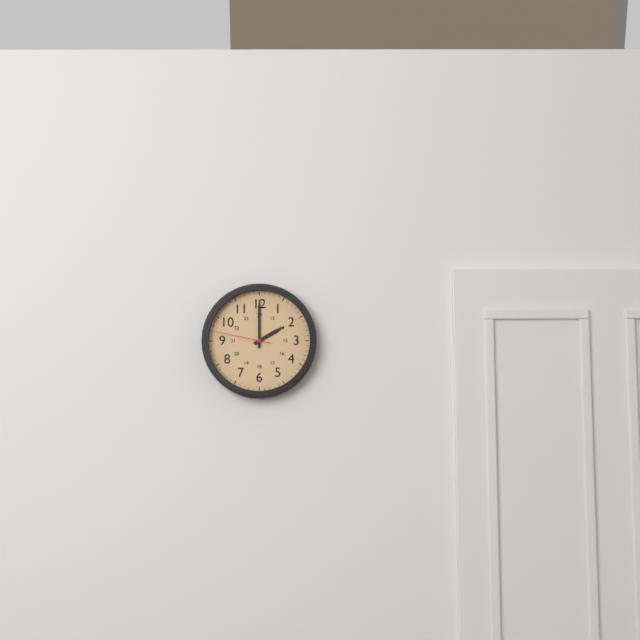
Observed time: 2:00:47
